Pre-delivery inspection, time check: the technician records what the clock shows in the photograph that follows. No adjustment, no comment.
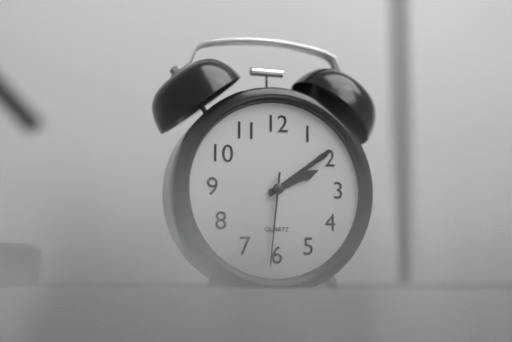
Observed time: 2:09
